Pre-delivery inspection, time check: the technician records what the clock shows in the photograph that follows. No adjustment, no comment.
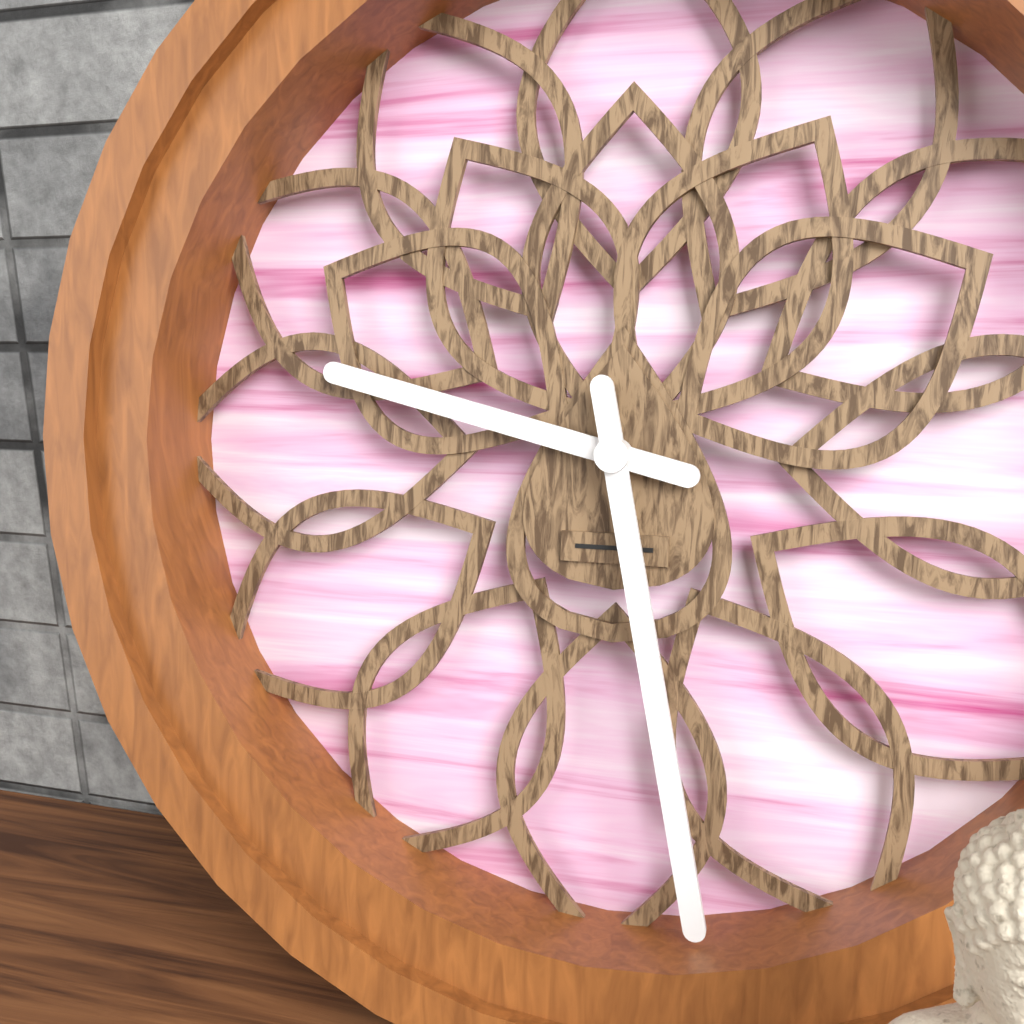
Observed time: 9:28
